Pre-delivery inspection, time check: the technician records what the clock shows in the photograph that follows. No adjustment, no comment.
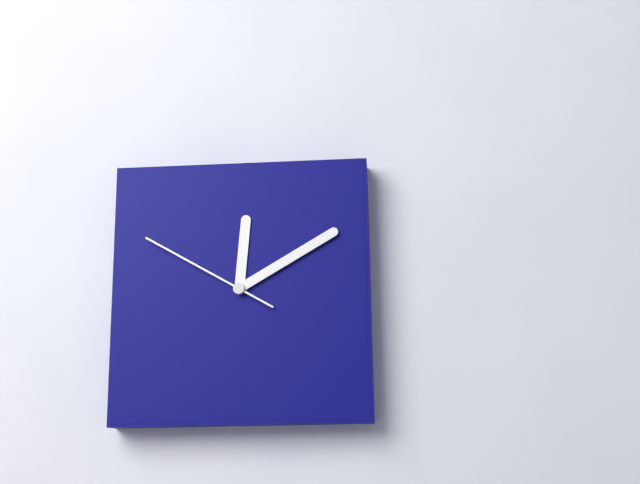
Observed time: 12:10:50
